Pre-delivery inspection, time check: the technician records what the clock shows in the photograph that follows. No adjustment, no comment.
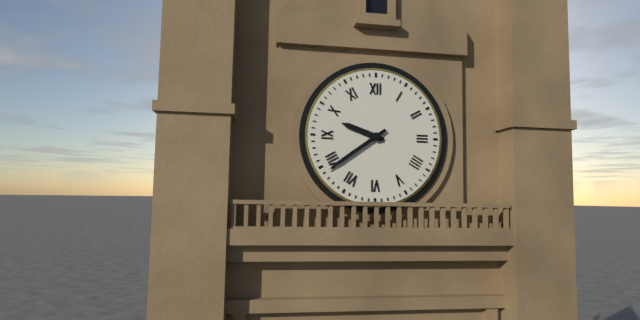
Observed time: 9:39
